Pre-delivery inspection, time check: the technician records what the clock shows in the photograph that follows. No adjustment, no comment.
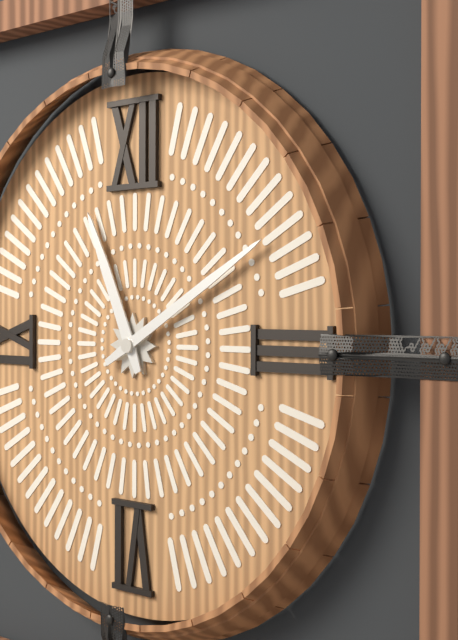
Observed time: 11:10
